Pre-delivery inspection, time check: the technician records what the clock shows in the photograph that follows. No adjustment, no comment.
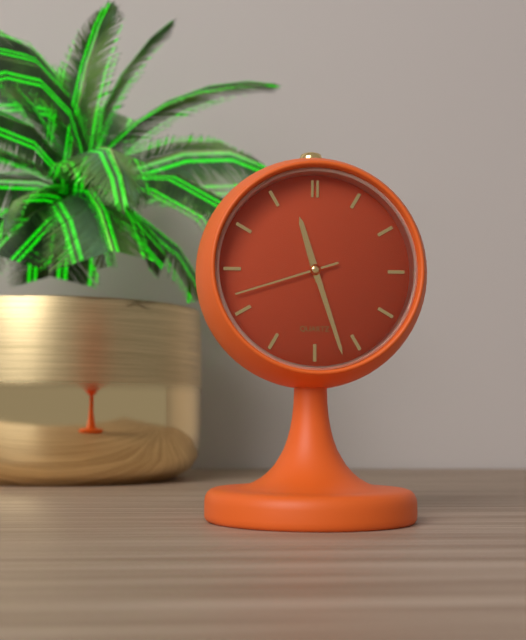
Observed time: 11:27:42
